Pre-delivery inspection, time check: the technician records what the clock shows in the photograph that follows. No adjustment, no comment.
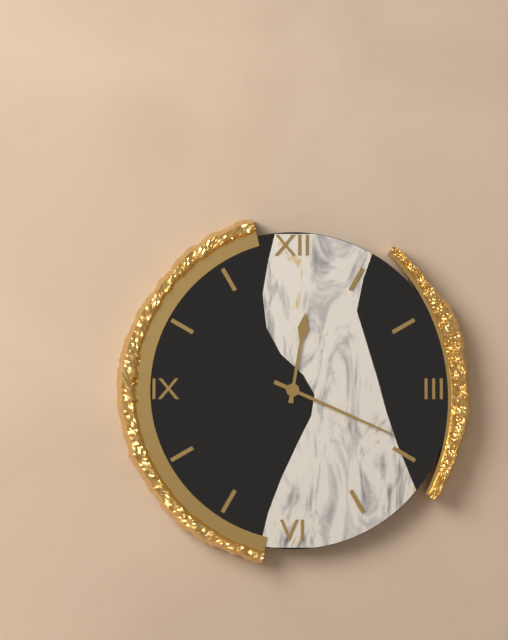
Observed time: 12:19
